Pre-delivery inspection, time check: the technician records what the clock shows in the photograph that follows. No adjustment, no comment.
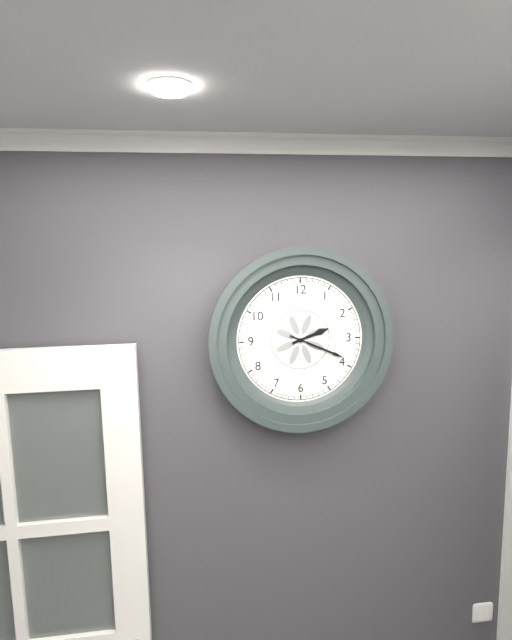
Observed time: 2:19
